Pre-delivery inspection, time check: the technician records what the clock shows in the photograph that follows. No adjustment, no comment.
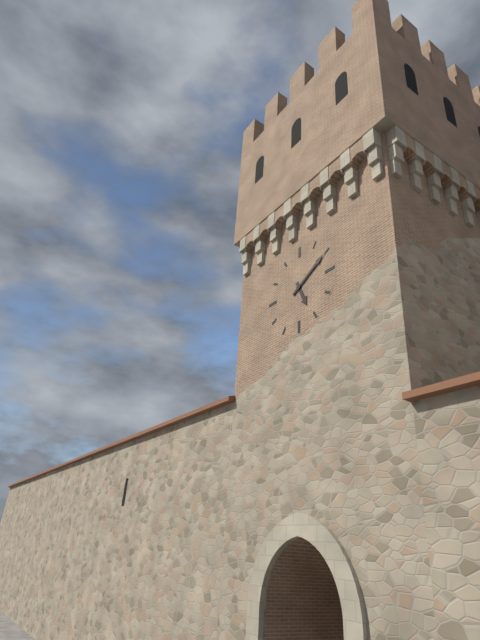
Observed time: 5:10
